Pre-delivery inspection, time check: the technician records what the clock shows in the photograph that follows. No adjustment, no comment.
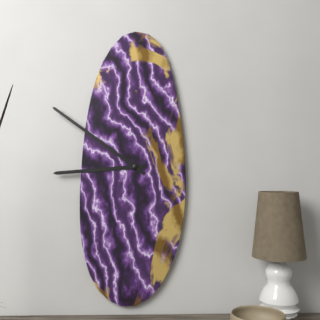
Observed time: 8:51
